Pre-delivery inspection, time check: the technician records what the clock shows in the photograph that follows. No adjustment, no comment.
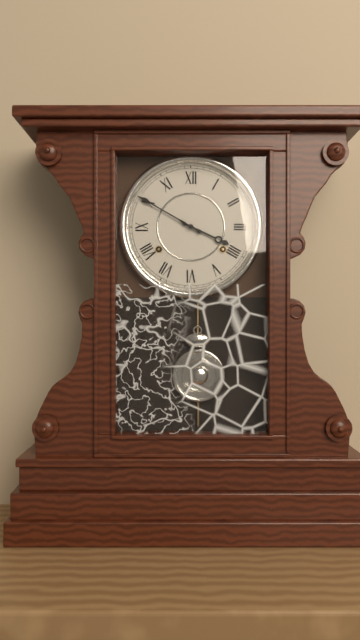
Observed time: 3:50
